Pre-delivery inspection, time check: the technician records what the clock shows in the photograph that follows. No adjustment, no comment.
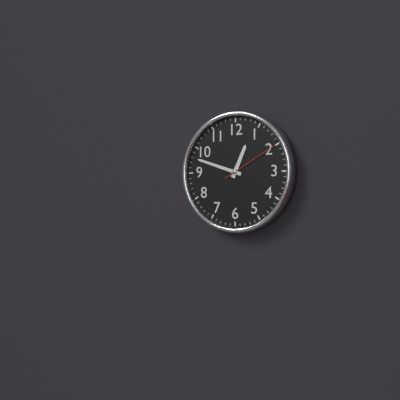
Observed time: 12:48:10
